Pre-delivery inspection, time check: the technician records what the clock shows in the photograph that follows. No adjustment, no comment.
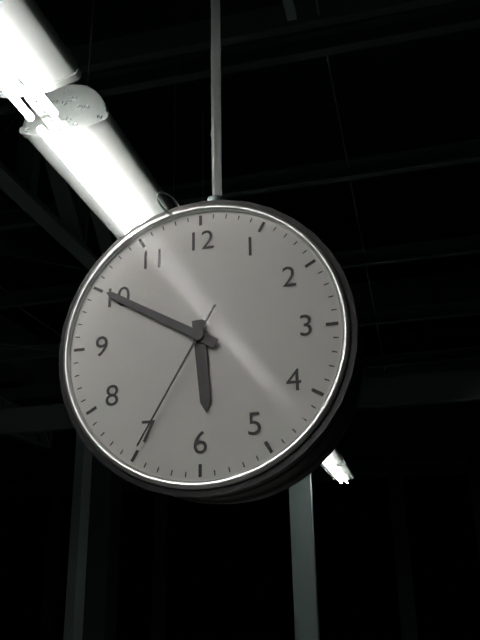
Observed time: 5:50:35
